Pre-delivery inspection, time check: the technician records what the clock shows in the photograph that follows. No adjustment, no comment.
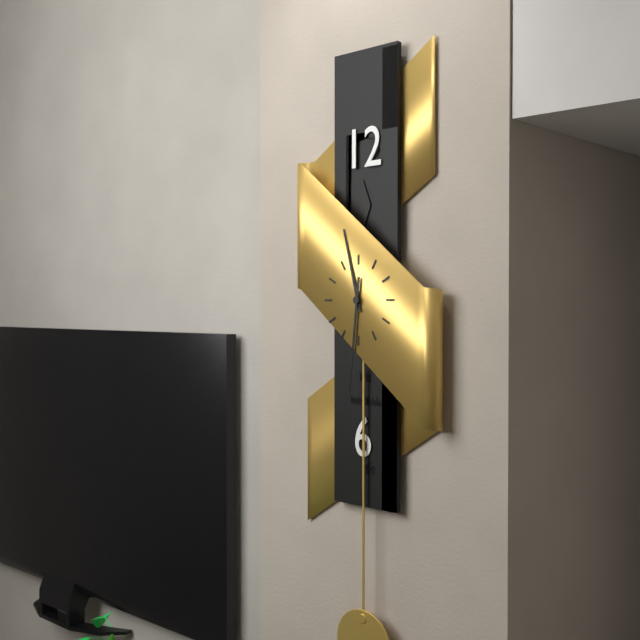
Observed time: 11:31
